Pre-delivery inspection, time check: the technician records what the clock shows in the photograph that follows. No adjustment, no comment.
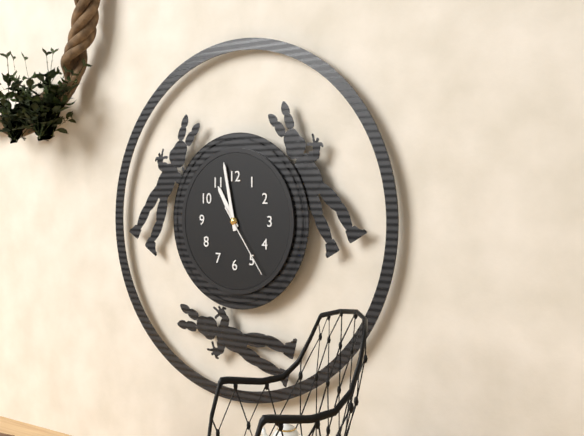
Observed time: 10:58:24
